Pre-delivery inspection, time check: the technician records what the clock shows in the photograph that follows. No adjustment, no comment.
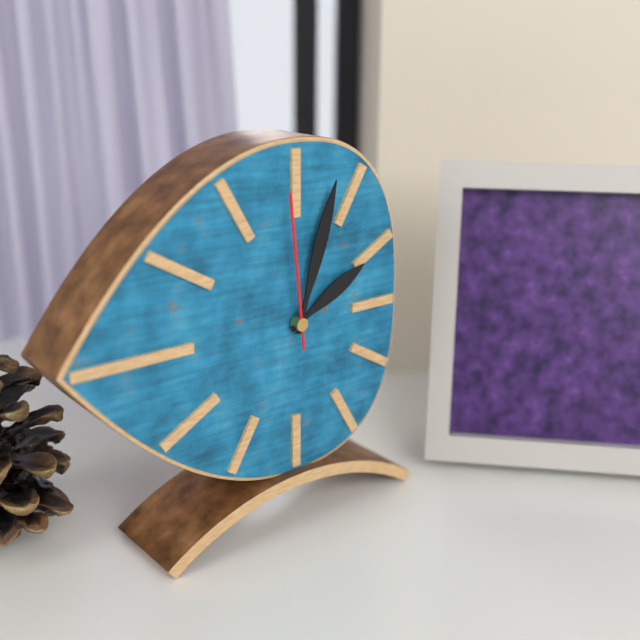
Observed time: 2:03:59
